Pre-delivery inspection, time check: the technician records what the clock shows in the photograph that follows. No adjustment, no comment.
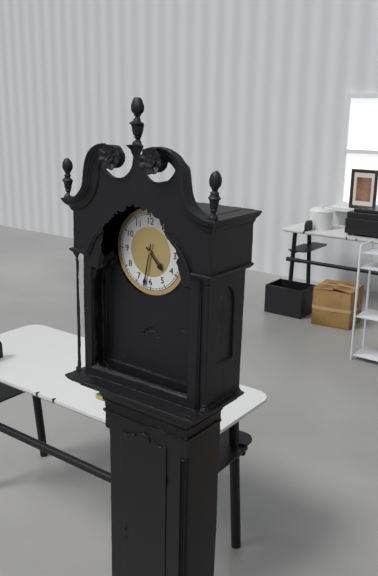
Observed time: 4:32
